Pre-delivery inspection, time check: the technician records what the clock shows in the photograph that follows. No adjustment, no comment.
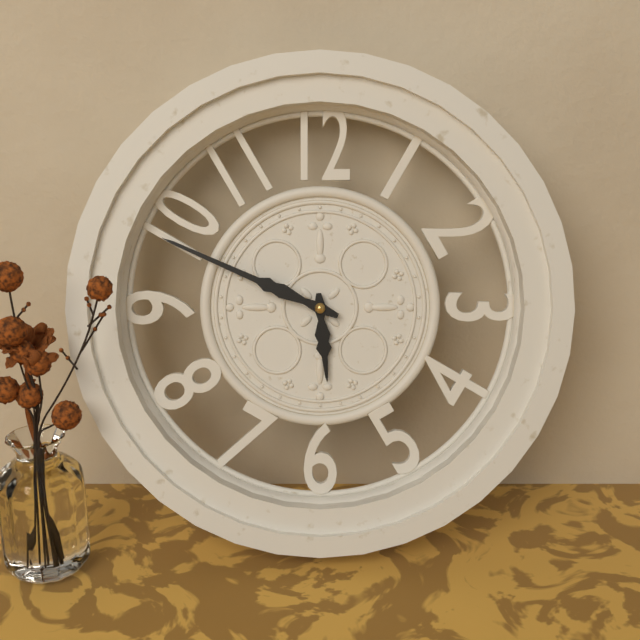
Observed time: 5:49
